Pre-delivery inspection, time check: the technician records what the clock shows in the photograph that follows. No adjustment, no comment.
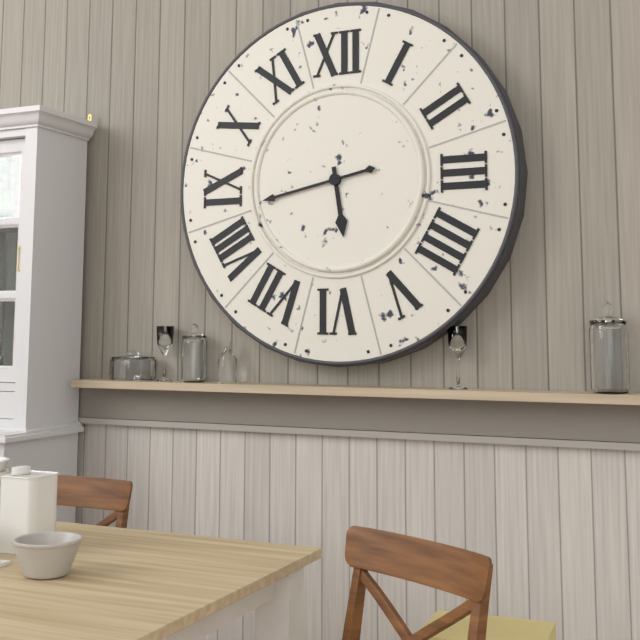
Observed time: 5:43
